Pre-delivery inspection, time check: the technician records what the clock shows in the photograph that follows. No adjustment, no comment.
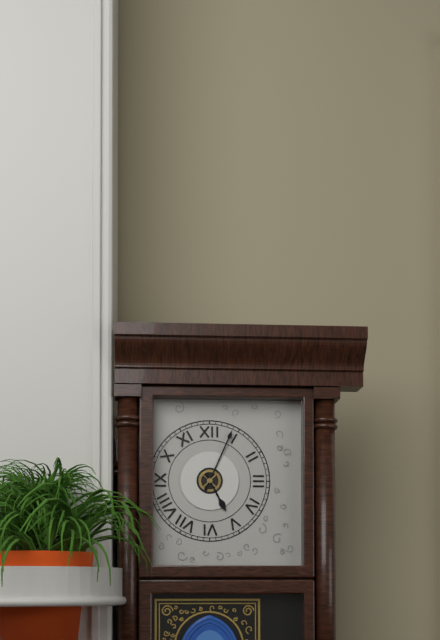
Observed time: 5:04
